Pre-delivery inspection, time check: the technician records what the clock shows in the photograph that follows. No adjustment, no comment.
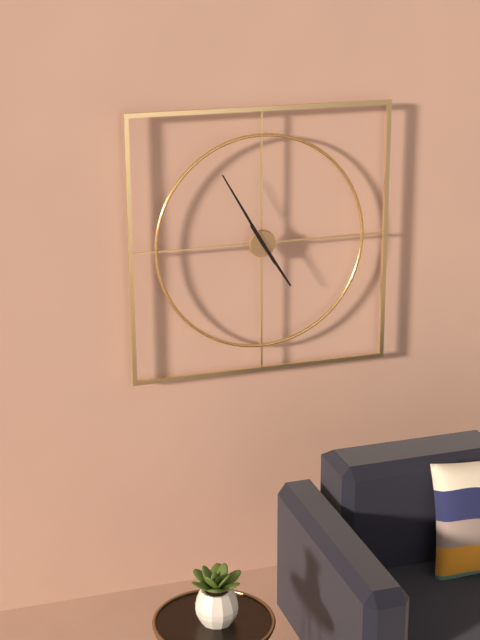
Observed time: 4:55
